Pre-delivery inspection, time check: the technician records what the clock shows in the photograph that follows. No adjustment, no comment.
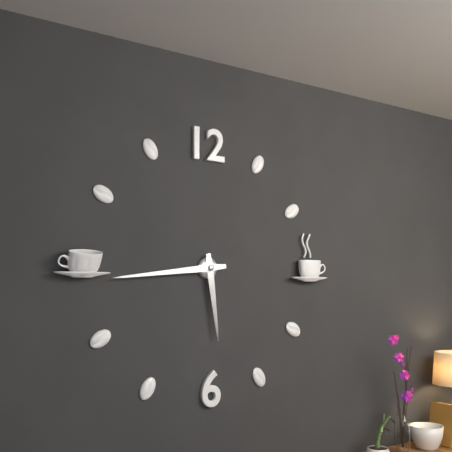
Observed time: 5:44
